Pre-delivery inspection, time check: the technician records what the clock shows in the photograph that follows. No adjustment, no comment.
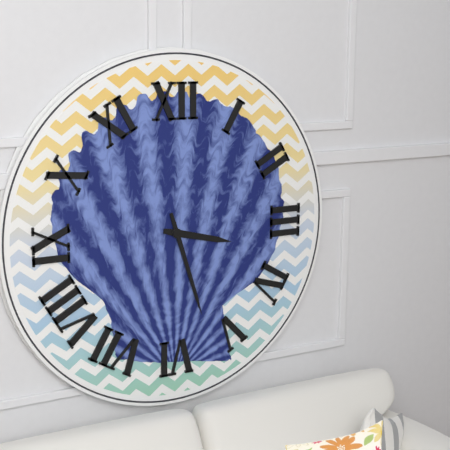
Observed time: 3:27
